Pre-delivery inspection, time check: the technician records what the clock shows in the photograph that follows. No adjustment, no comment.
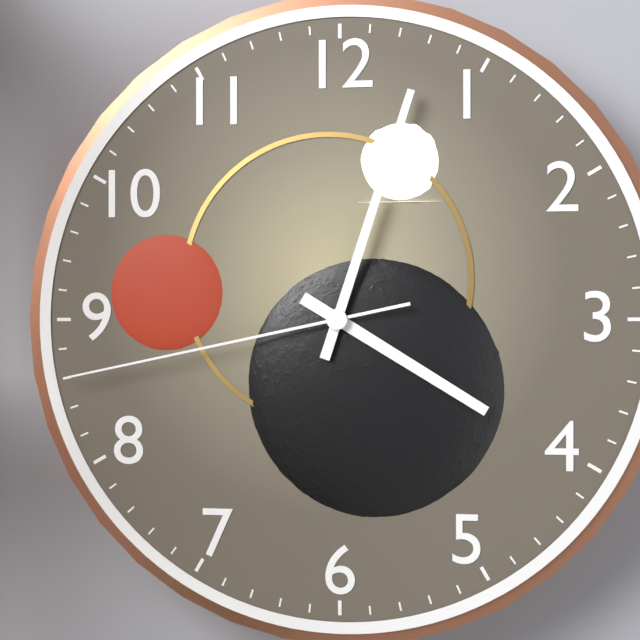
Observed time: 4:03:43
